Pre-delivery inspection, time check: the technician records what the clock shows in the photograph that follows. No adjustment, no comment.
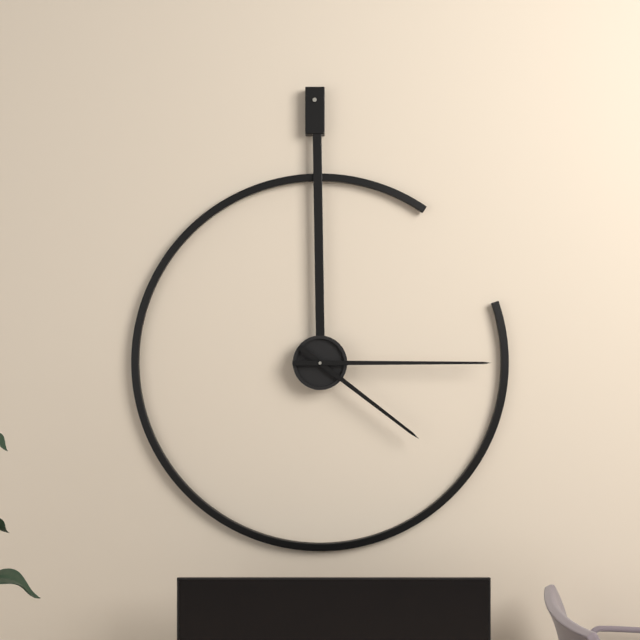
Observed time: 4:15
